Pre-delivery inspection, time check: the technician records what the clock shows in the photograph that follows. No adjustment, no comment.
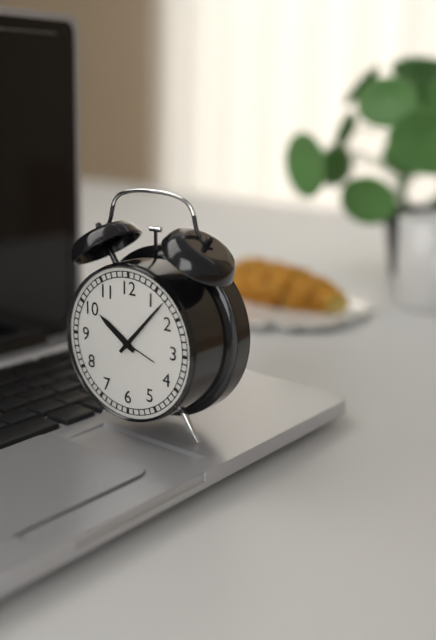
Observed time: 10:07
